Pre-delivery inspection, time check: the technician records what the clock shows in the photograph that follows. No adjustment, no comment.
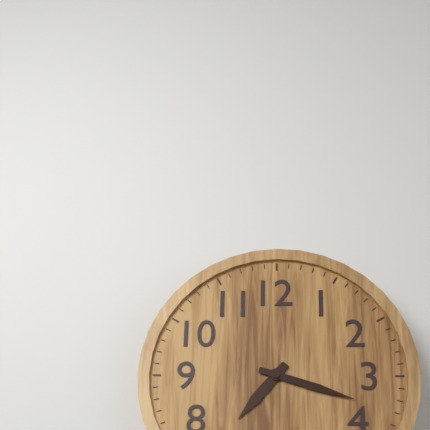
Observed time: 7:18
